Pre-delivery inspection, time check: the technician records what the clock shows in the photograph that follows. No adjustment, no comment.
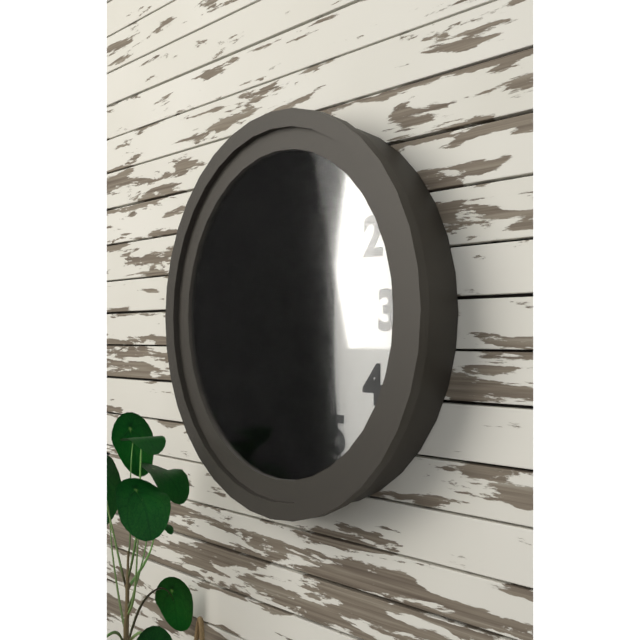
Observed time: 3:51:06
